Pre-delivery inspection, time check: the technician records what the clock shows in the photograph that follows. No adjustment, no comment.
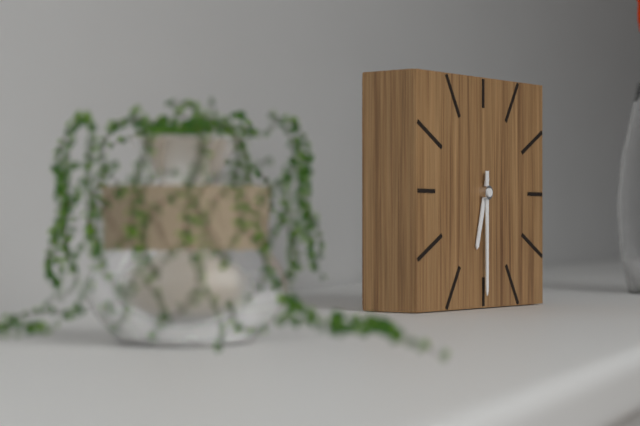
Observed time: 6:30
